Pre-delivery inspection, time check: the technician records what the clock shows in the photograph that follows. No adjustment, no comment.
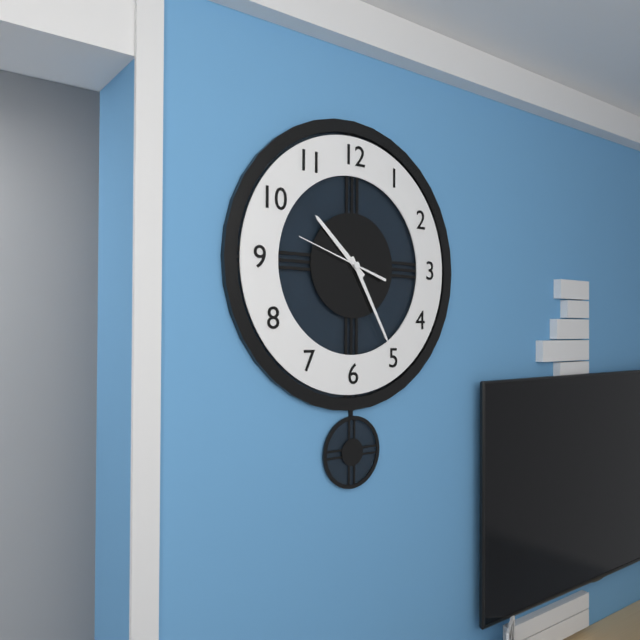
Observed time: 10:25:48
